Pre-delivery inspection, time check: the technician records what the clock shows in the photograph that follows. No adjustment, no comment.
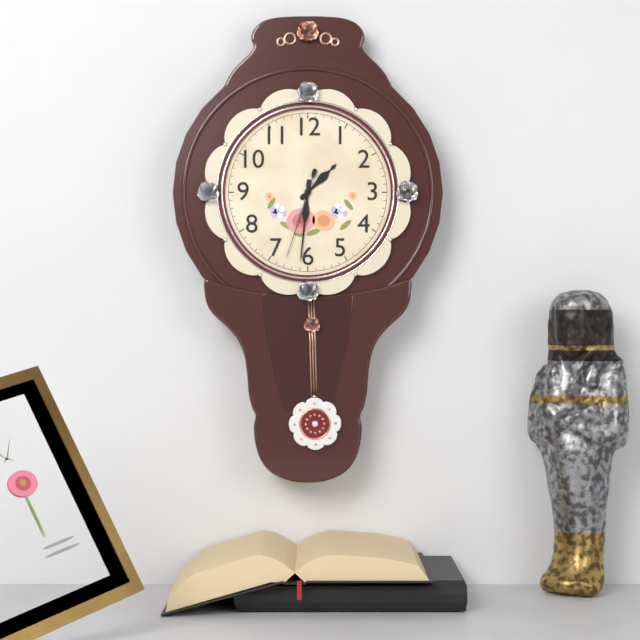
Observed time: 1:31:33
